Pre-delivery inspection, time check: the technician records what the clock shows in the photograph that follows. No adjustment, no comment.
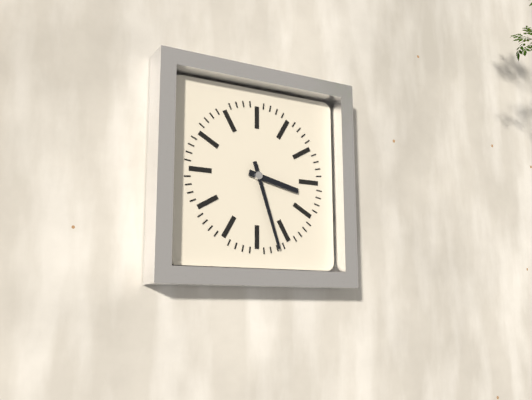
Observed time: 3:27
